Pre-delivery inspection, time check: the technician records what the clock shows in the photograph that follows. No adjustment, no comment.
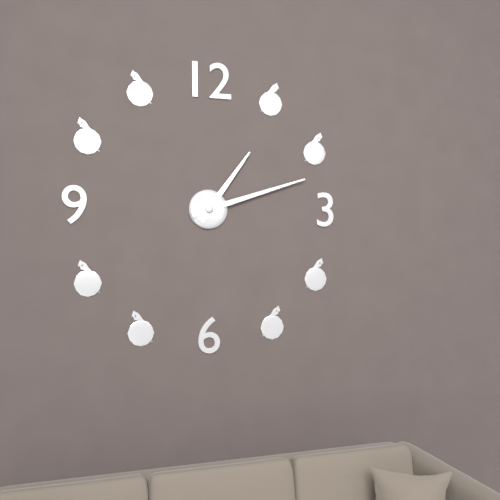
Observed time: 1:12
